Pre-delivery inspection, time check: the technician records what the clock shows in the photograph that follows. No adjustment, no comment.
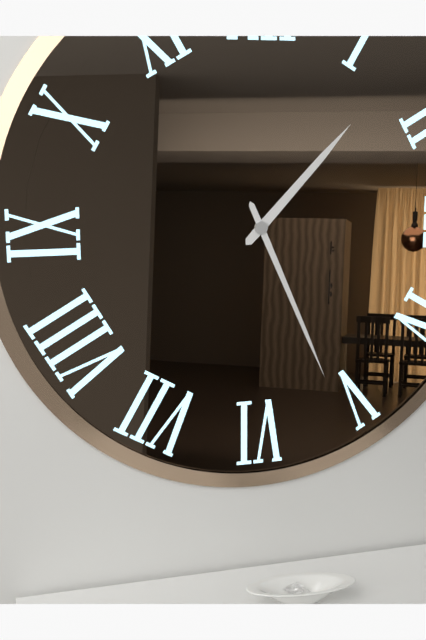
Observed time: 1:26
